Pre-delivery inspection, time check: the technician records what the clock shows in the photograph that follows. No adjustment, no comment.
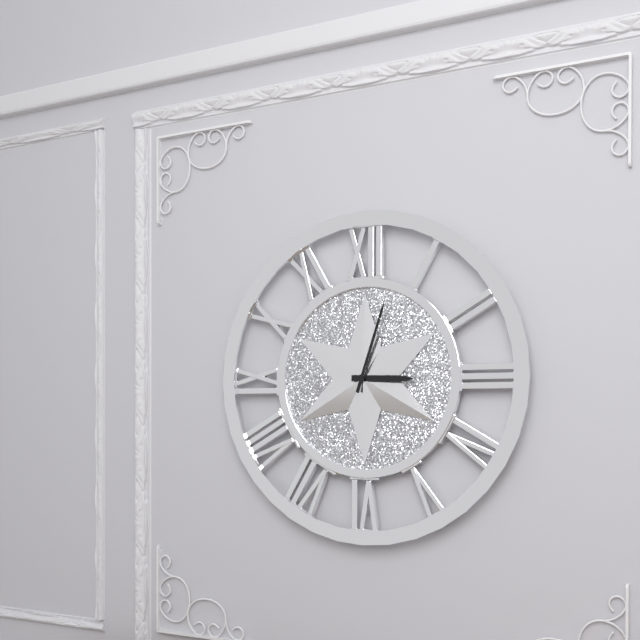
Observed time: 3:03
